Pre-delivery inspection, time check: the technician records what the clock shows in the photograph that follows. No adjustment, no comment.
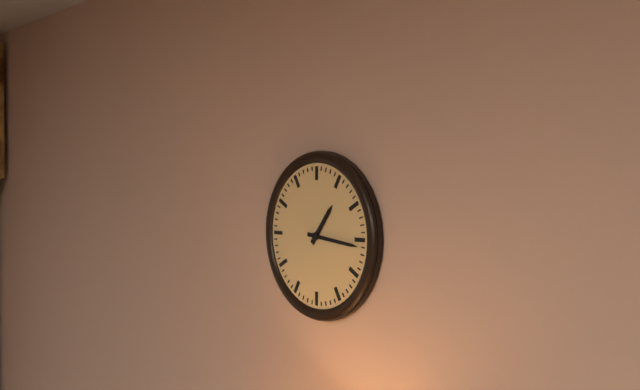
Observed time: 1:16
